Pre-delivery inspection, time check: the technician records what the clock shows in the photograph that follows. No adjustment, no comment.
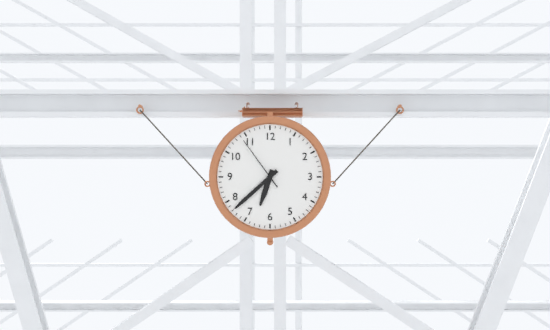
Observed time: 6:38:54
